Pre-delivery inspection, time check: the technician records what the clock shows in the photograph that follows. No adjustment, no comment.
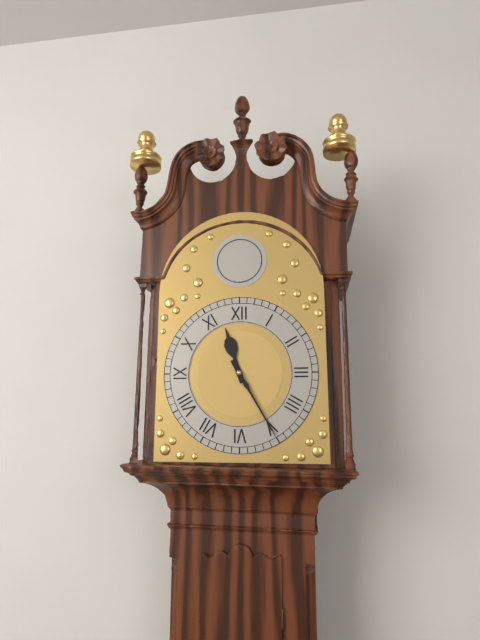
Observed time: 11:25
